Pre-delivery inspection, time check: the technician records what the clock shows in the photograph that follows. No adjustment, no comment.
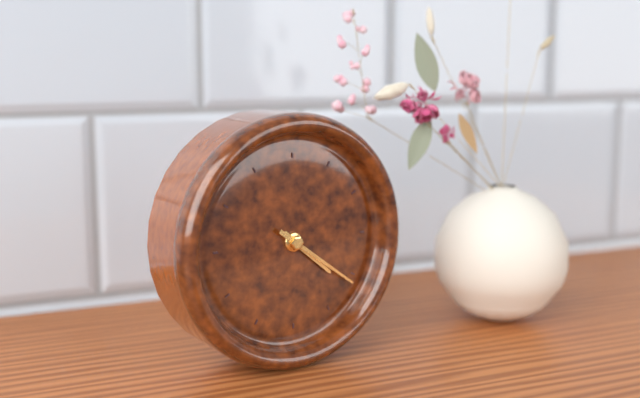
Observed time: 4:21
